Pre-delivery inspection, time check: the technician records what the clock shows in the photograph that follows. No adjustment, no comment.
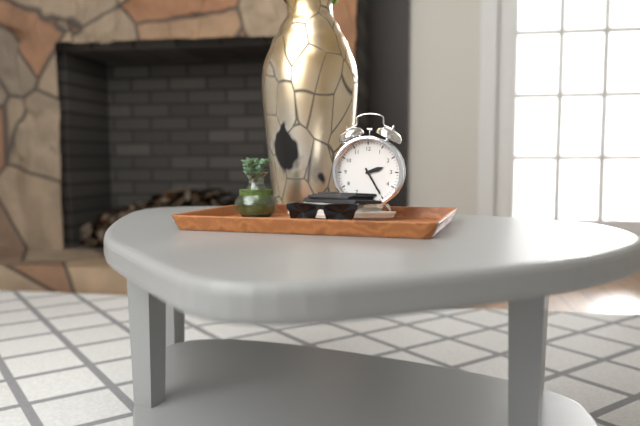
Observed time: 2:25
